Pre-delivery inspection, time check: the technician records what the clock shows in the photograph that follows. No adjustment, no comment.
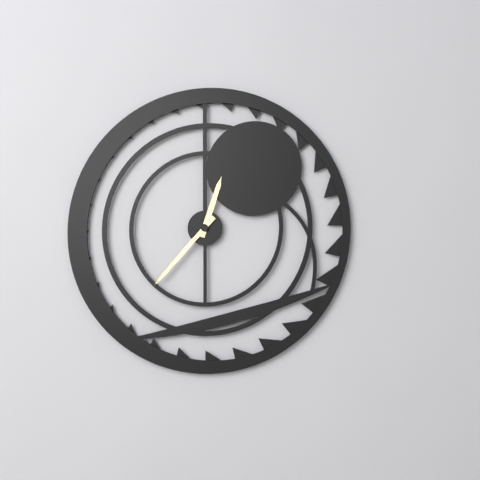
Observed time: 12:37
